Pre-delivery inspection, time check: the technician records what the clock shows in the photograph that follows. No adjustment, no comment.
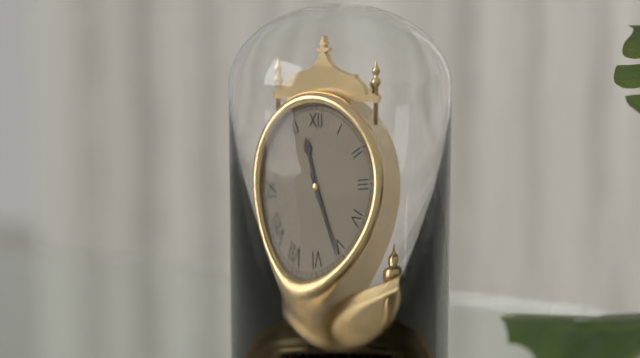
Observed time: 11:26
